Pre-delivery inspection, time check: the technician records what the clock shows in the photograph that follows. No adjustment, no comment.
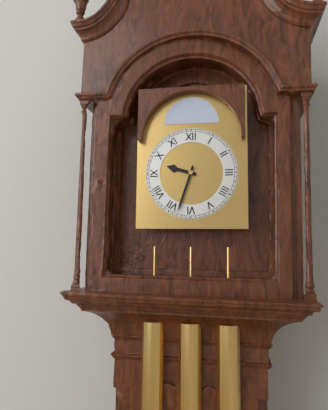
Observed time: 9:33
